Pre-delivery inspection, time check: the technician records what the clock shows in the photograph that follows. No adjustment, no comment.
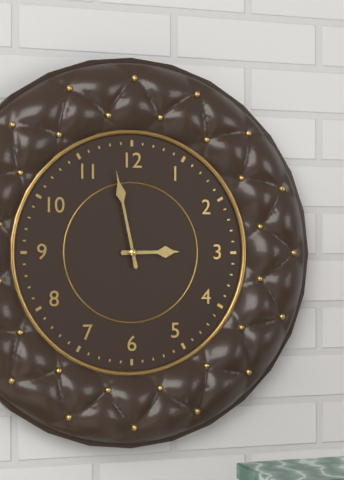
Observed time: 2:58
